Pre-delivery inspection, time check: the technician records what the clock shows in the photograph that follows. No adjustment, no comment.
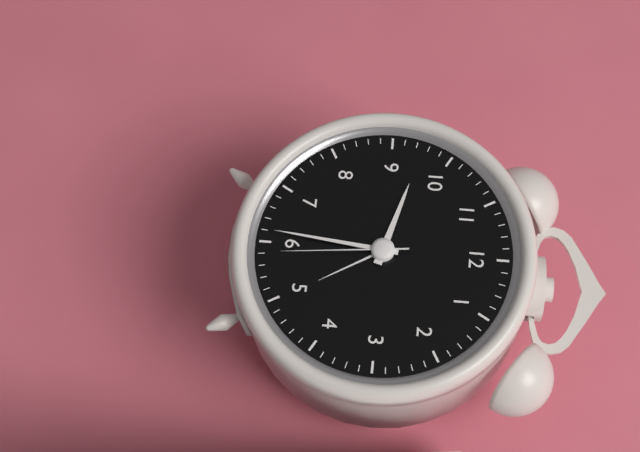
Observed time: 9:31:29
